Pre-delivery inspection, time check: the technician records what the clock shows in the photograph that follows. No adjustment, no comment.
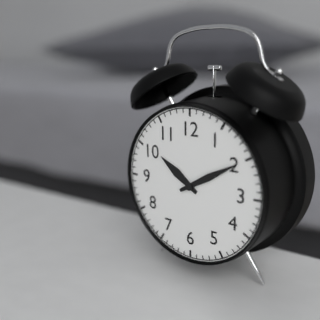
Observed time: 10:10
